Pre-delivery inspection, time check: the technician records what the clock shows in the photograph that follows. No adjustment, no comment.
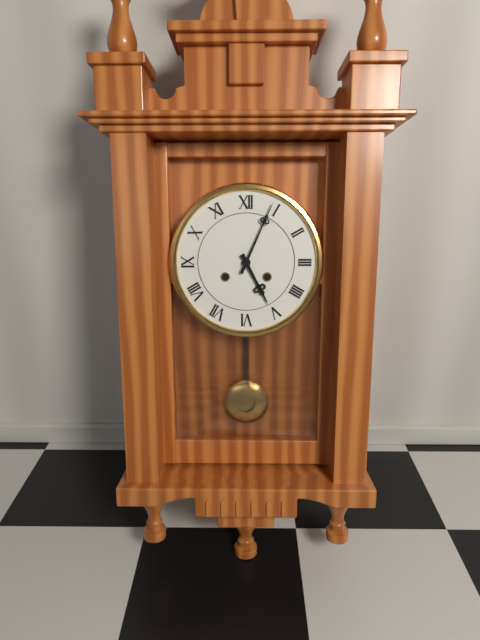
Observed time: 5:04
